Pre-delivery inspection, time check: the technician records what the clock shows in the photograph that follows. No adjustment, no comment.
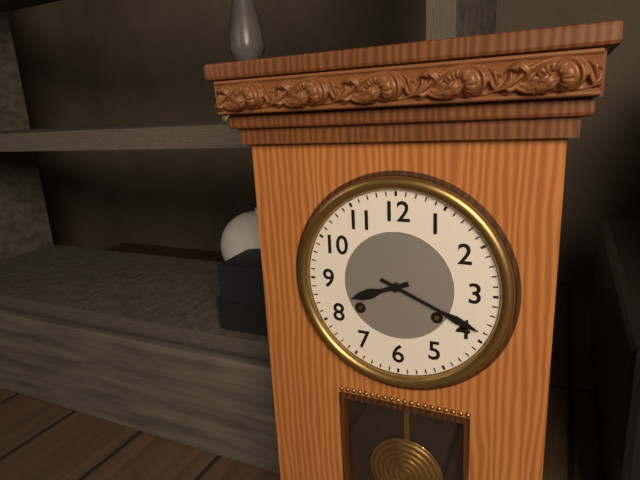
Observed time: 8:19
